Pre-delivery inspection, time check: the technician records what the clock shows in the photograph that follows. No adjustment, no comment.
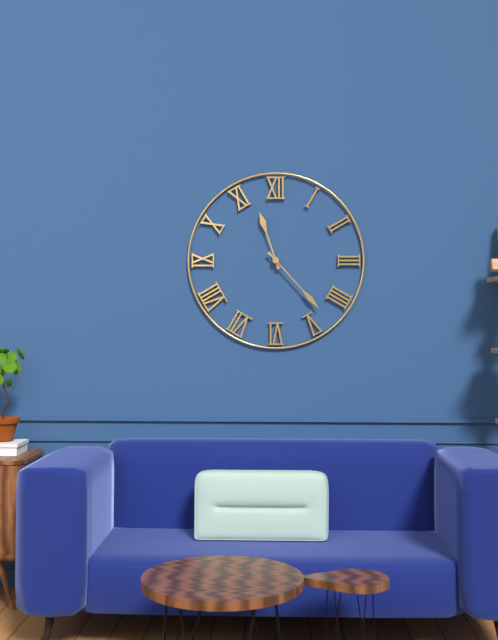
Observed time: 11:23
